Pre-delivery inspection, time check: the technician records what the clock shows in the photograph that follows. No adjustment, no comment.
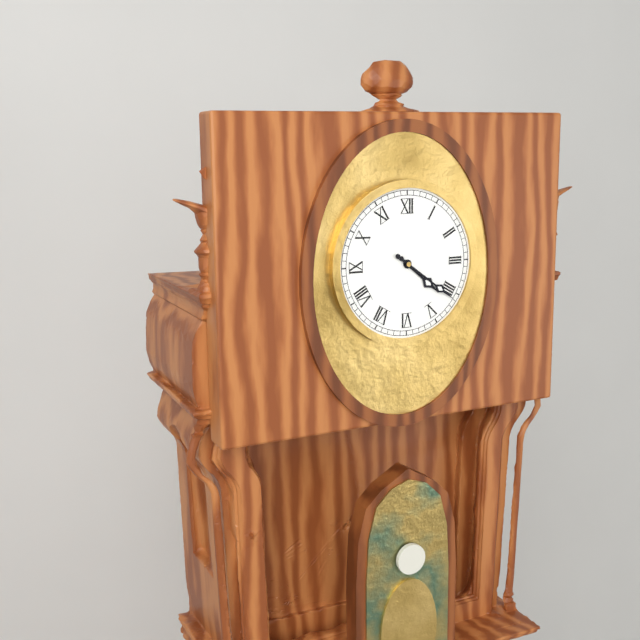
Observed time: 4:21
